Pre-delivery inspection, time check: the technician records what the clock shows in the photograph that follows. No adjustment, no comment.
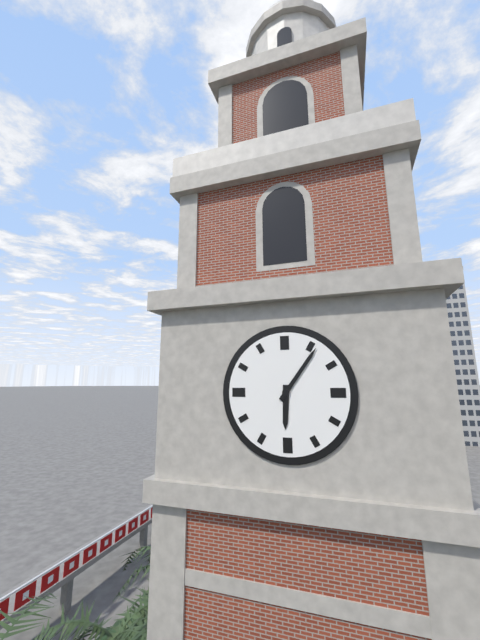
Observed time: 6:06
